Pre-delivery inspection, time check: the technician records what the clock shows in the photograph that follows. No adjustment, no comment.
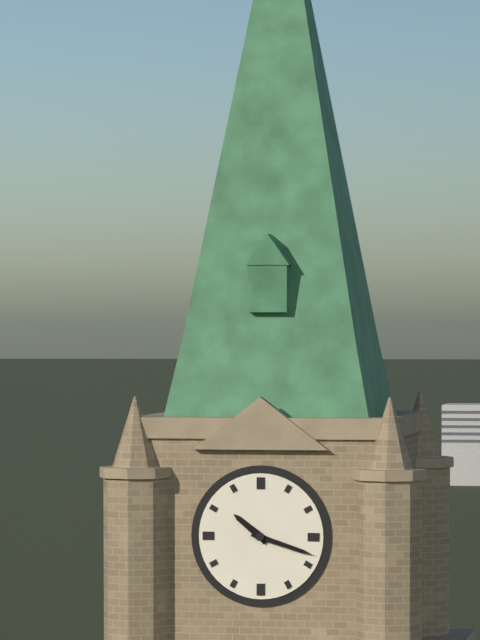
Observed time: 10:18
